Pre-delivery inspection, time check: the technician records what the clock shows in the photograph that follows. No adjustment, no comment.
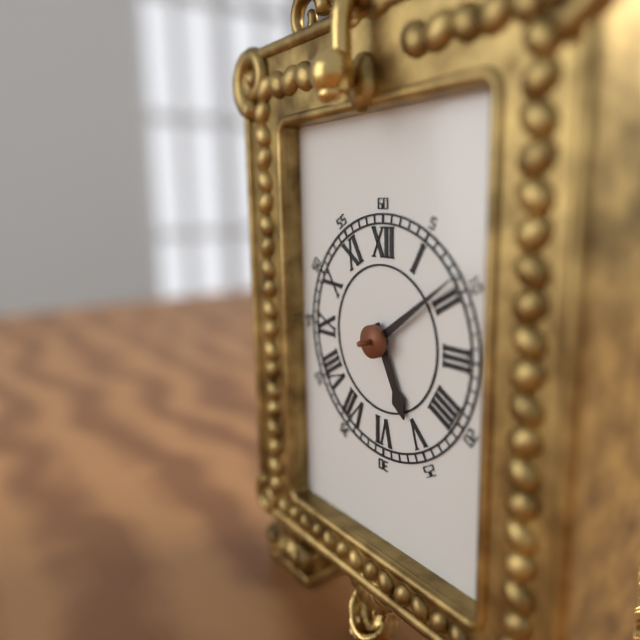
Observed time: 5:09
